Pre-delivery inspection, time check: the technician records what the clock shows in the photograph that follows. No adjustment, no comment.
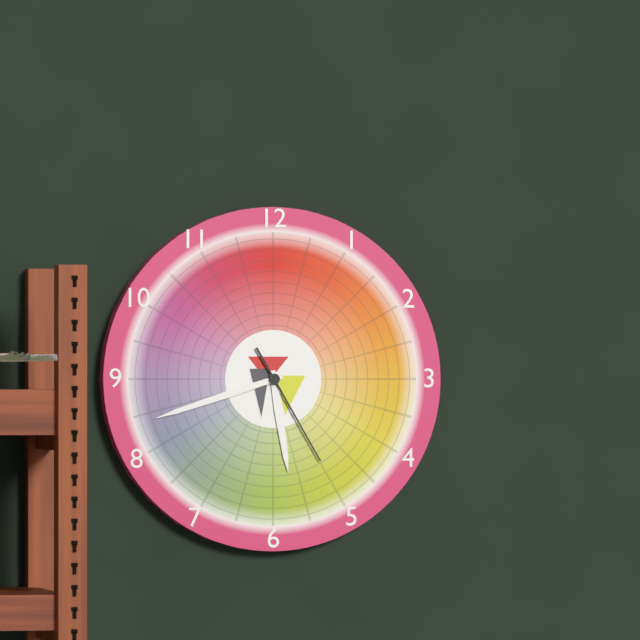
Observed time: 5:42:25
